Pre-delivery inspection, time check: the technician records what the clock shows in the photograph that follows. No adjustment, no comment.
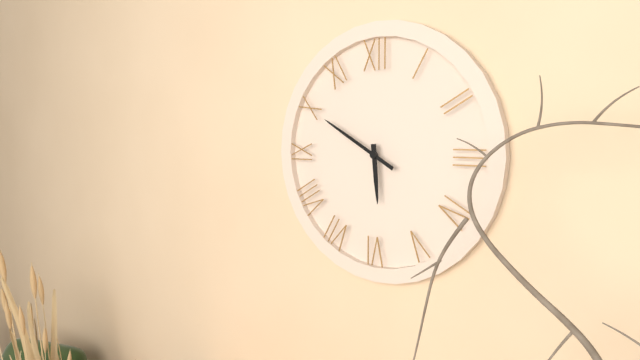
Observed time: 5:50
